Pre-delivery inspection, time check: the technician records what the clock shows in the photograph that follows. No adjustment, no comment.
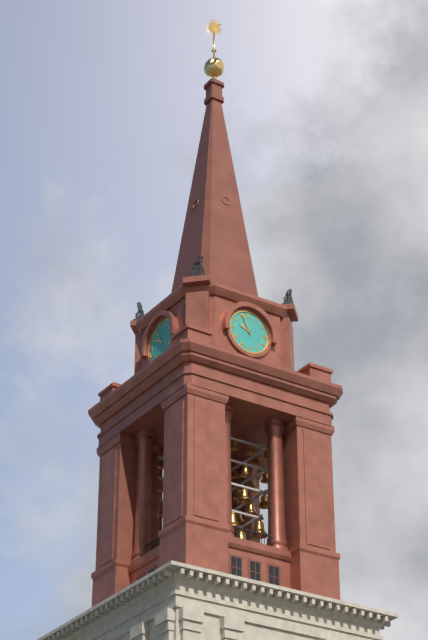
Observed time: 9:56
